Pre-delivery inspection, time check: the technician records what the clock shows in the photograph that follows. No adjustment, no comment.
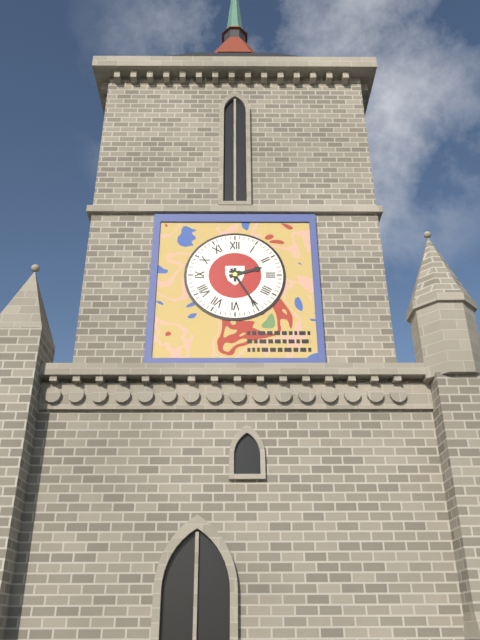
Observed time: 2:25
